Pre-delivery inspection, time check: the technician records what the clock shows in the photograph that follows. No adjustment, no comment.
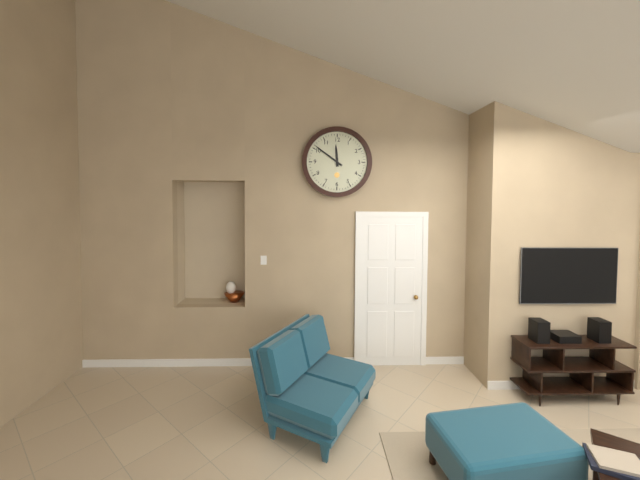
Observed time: 11:51
